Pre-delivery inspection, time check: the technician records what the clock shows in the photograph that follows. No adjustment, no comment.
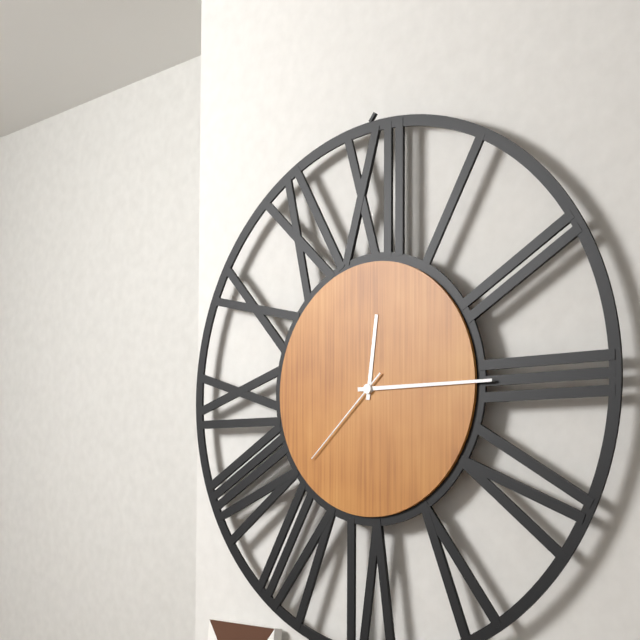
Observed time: 12:15:38
